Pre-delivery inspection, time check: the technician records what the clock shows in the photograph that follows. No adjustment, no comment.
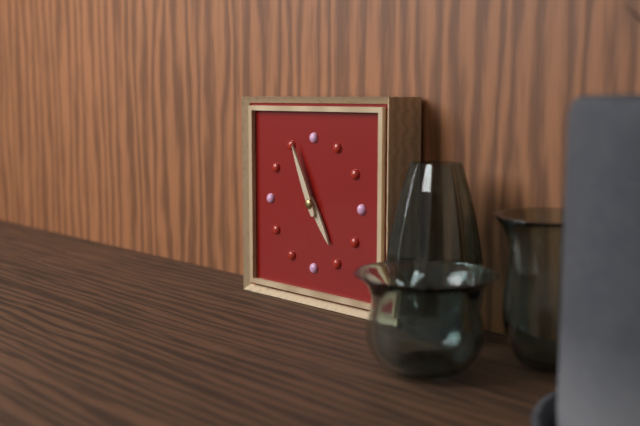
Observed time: 4:56
